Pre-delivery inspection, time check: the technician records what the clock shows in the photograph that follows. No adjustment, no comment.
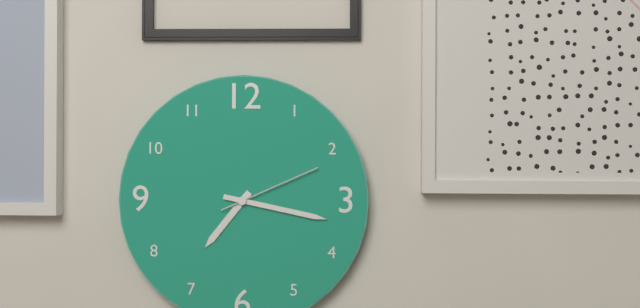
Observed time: 7:17:11
